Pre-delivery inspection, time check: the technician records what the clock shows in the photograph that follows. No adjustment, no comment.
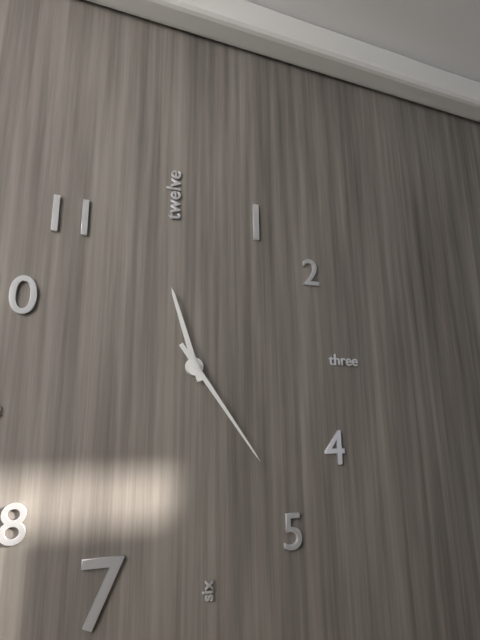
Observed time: 11:24
